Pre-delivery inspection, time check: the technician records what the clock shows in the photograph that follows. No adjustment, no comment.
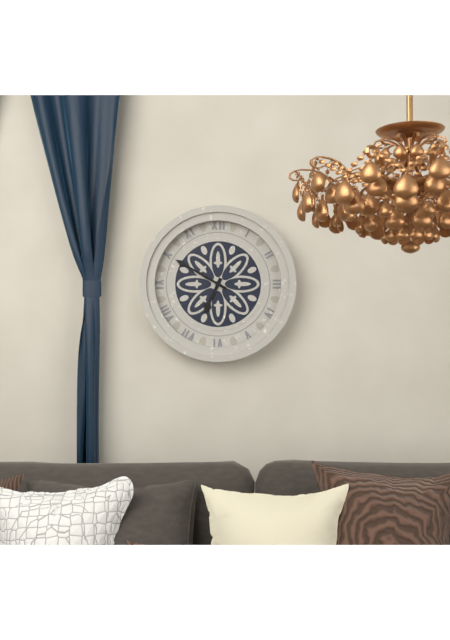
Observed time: 6:50
